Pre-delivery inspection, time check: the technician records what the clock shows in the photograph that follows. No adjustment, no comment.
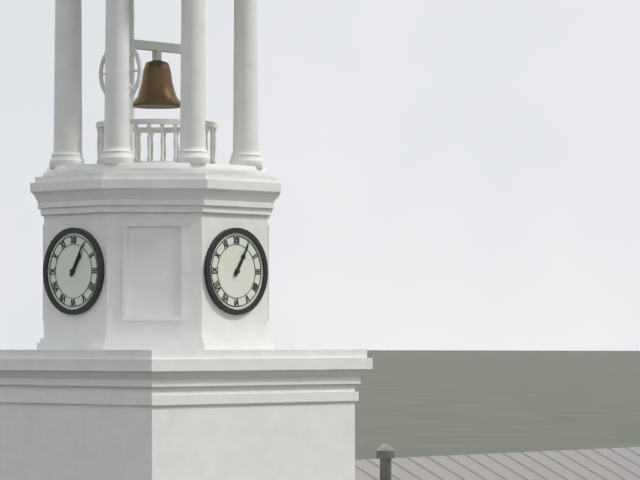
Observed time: 1:05
